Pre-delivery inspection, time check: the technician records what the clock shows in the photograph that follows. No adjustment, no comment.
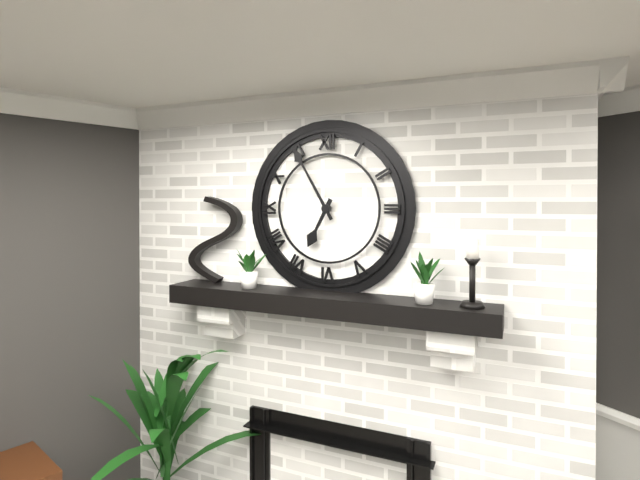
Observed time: 6:55
